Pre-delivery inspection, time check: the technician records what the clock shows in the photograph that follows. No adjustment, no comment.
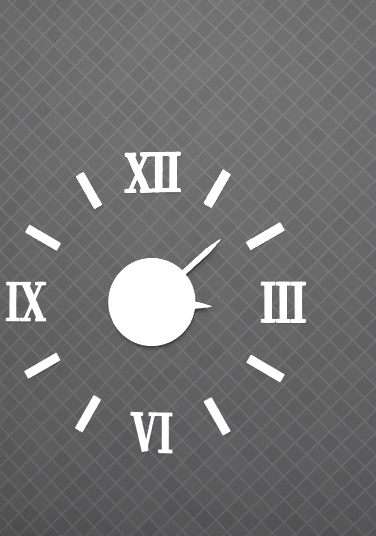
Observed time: 3:08
